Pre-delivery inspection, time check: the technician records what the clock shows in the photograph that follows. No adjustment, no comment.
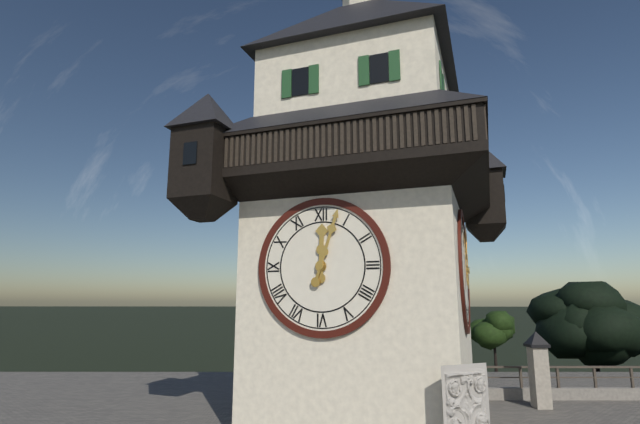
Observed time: 12:03
